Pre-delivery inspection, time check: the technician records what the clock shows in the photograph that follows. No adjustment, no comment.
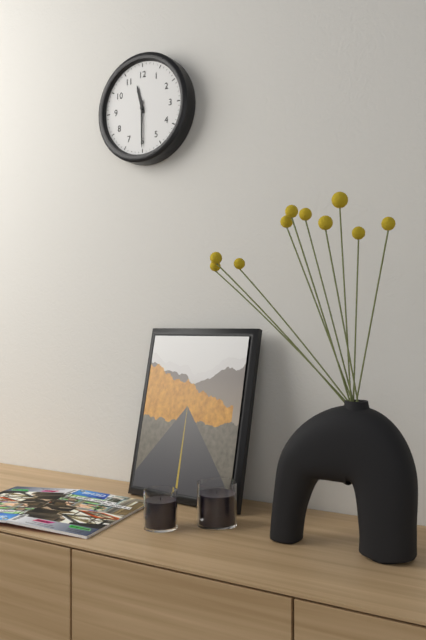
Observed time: 11:30
